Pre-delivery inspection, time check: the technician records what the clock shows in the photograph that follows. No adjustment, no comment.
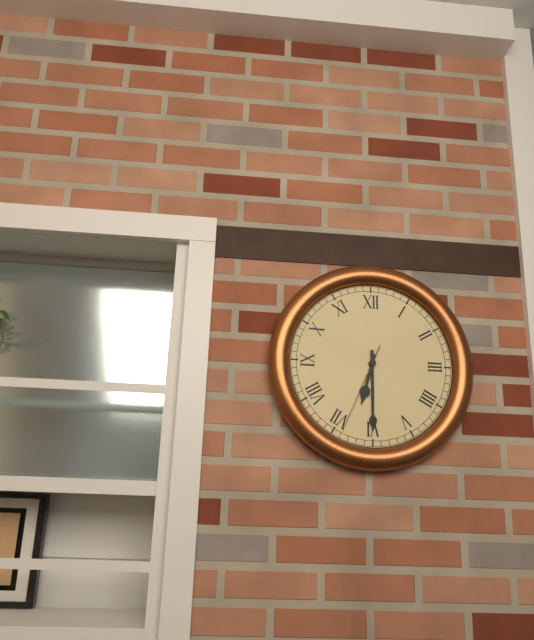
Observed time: 6:30:34
